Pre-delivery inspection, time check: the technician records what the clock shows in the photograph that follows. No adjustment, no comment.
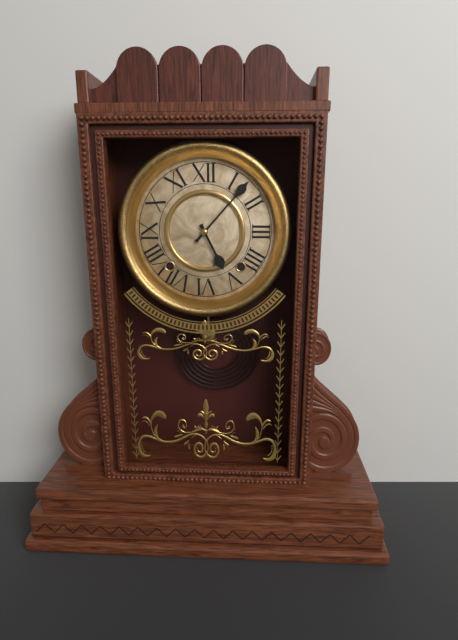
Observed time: 5:07
